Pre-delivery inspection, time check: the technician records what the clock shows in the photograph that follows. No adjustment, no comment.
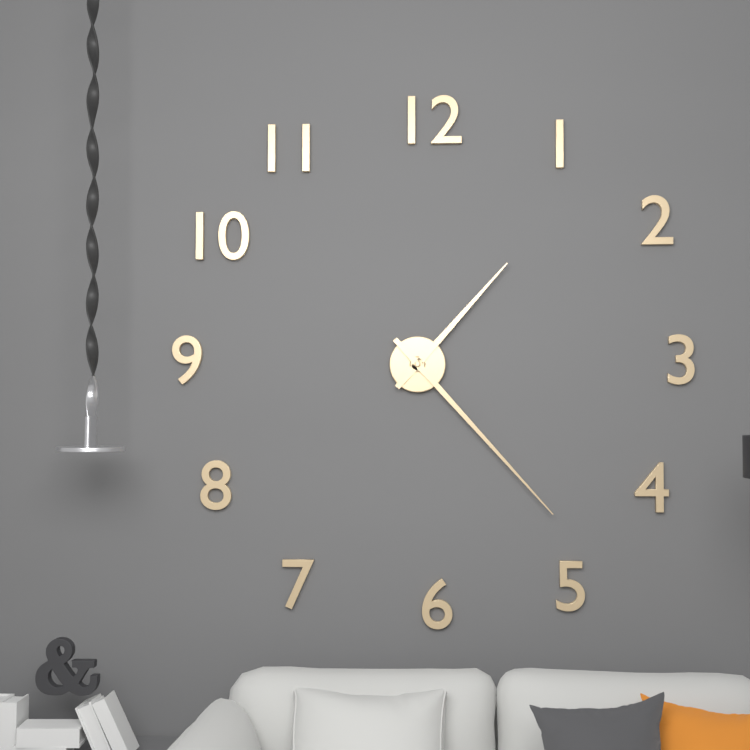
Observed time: 1:23
